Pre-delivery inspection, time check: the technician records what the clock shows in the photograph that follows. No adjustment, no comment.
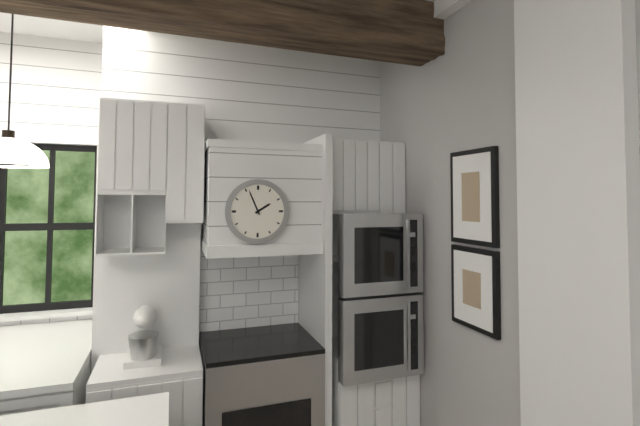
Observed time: 1:56
